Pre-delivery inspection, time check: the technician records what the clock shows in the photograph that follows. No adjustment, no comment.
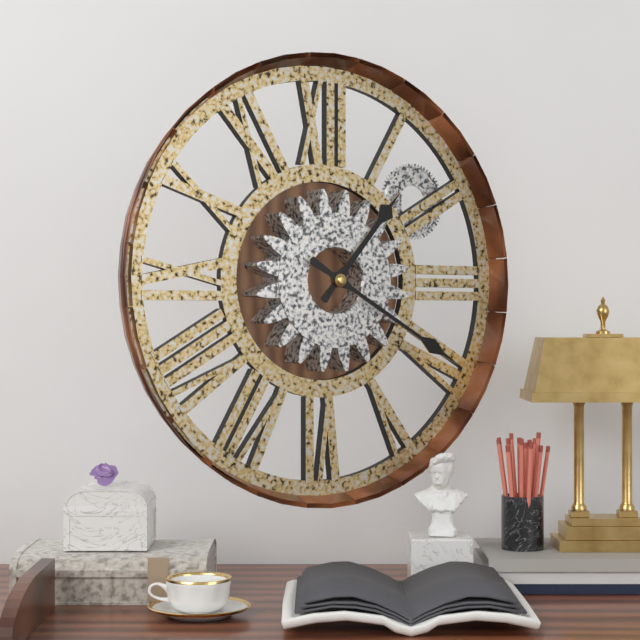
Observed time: 1:20
